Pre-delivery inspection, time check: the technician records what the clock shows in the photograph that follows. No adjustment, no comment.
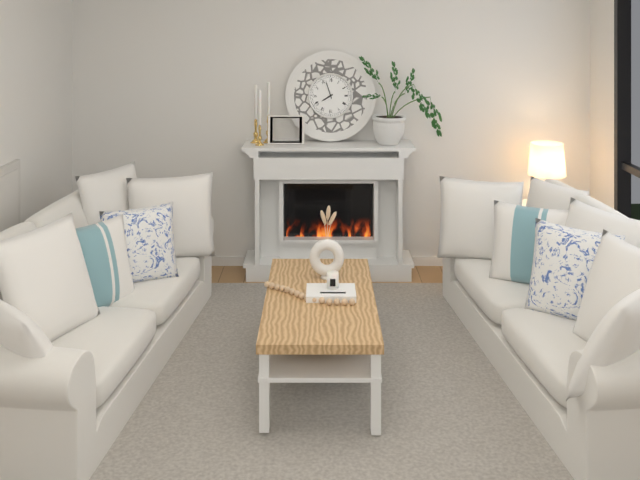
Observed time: 7:57
